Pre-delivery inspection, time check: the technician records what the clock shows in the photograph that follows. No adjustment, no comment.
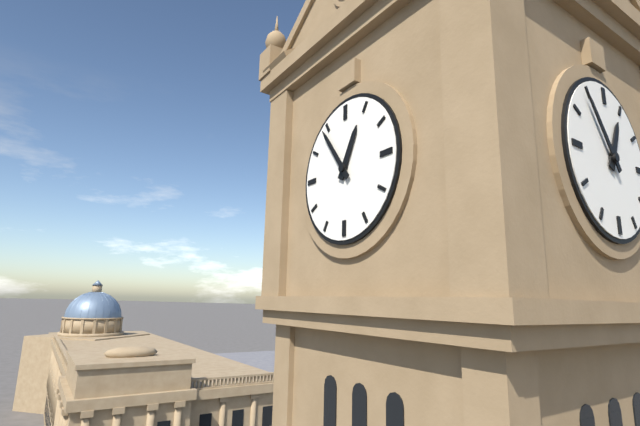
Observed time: 12:54
